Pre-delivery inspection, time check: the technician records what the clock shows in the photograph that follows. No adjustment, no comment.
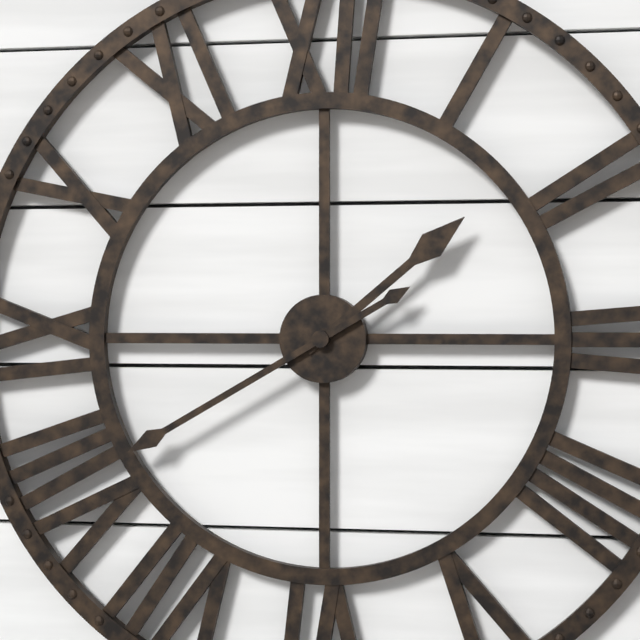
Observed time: 1:40
